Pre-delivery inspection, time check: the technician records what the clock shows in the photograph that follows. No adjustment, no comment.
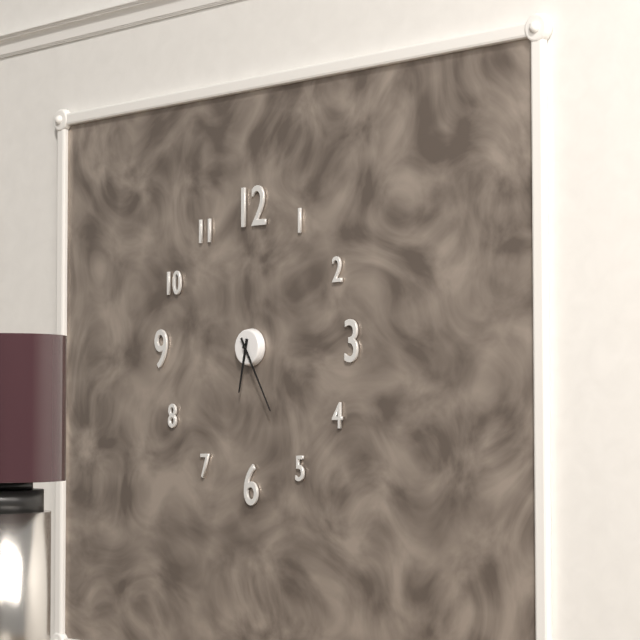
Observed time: 6:25
